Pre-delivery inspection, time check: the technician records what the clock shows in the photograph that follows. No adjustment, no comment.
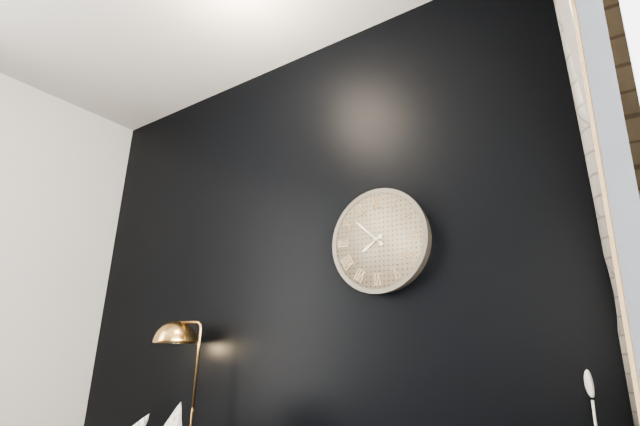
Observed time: 7:52
